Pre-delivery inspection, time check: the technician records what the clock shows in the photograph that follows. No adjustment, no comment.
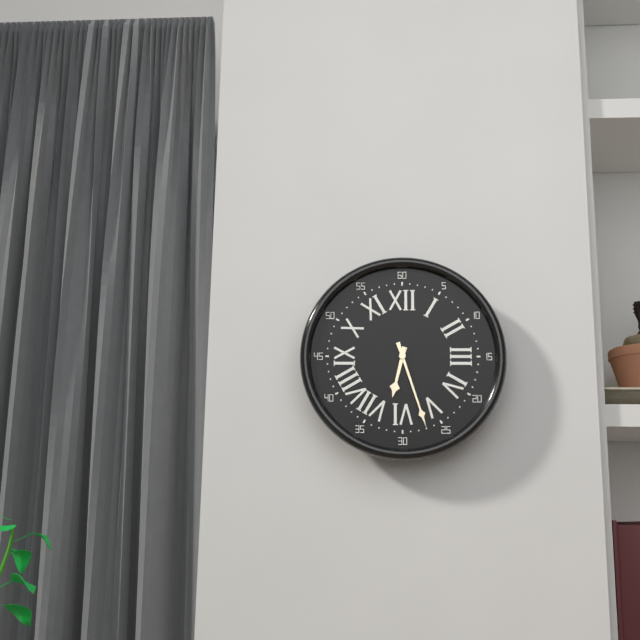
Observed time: 6:27
